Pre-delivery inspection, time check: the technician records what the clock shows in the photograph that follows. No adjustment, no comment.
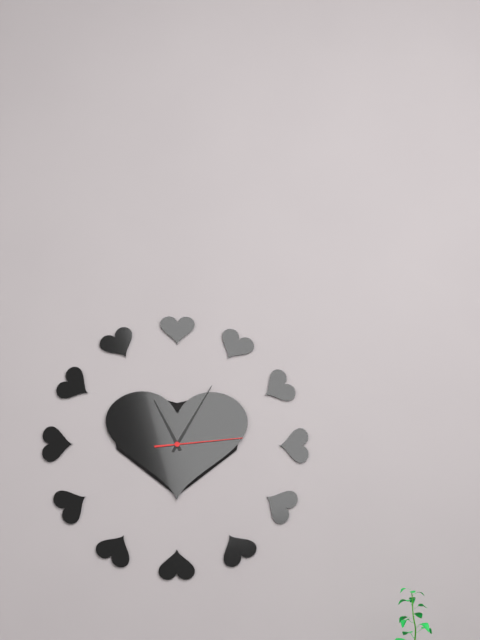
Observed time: 11:05:14
